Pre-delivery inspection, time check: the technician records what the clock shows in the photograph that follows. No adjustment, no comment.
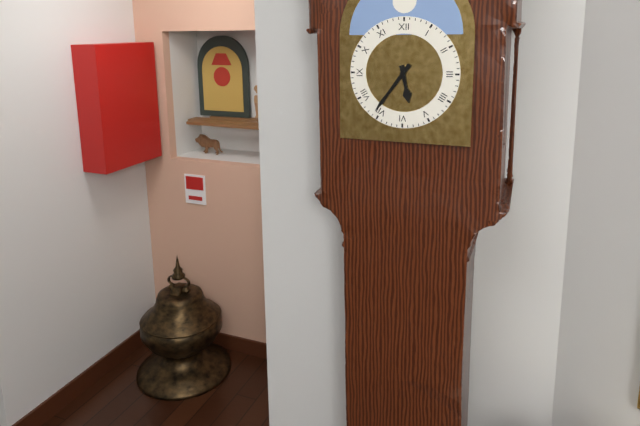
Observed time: 5:36
